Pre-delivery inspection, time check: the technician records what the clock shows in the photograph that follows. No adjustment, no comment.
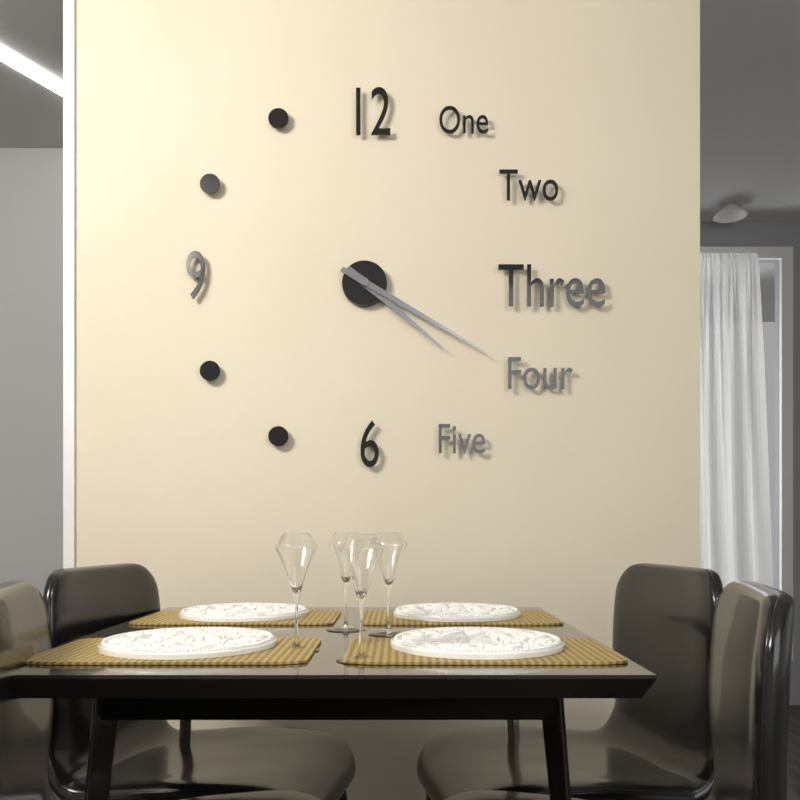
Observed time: 4:20
